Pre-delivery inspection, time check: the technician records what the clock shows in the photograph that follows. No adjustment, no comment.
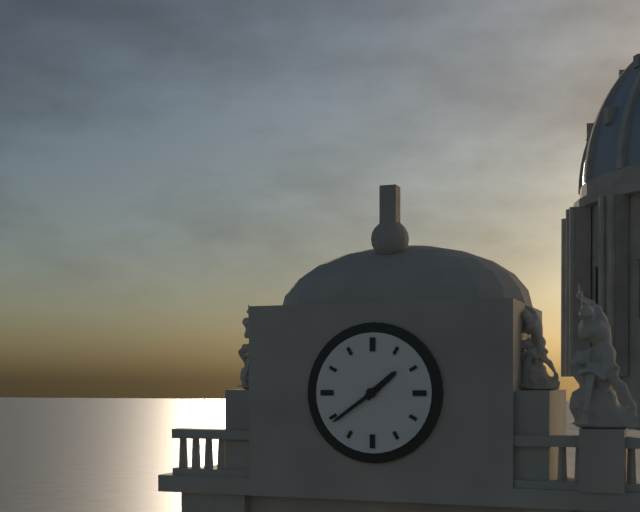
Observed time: 1:39
